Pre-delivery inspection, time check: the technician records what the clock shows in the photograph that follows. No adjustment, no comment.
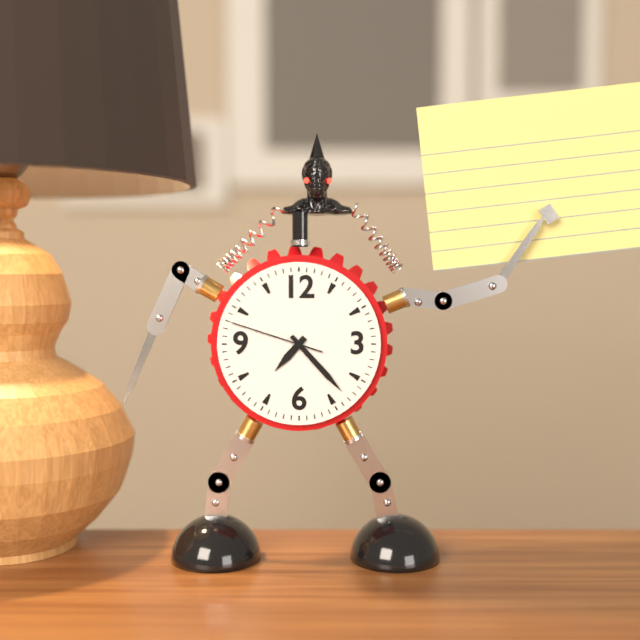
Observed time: 7:23:48
